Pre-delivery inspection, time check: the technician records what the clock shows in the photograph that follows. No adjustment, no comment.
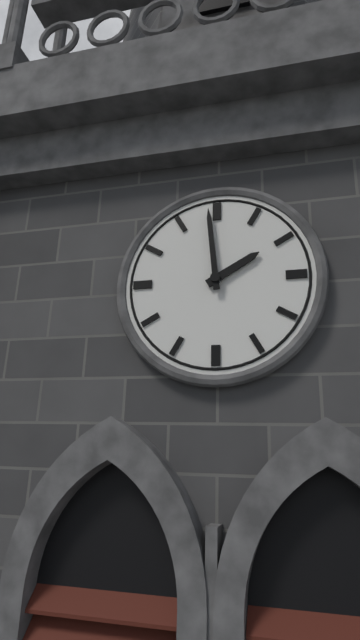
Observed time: 1:59
